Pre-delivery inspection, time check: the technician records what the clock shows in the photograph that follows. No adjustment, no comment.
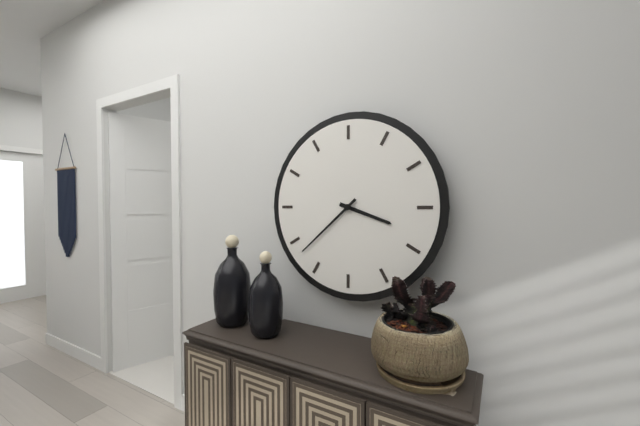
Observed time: 3:38
